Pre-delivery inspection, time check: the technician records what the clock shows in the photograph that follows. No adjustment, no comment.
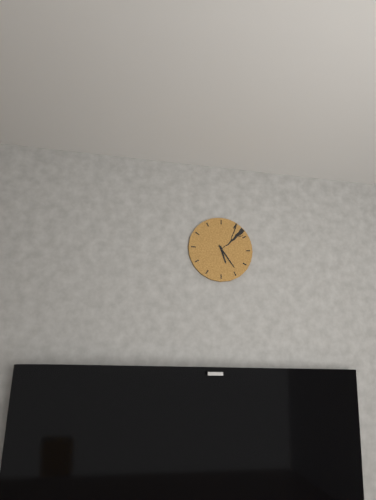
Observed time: 5:24
